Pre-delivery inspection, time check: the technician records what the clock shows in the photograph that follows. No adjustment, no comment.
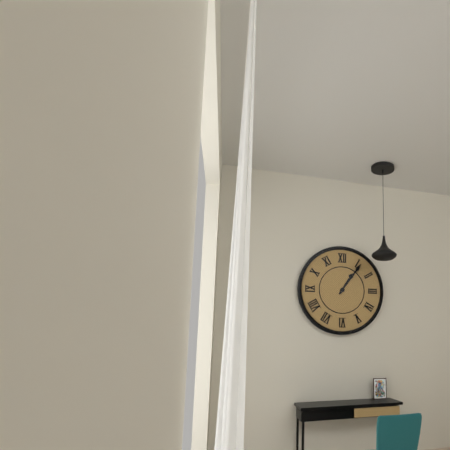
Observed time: 1:06
